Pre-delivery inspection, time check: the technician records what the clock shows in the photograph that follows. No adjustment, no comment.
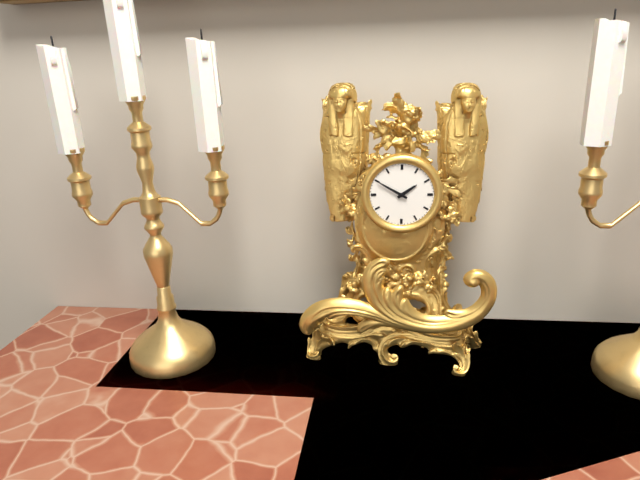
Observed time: 1:50
